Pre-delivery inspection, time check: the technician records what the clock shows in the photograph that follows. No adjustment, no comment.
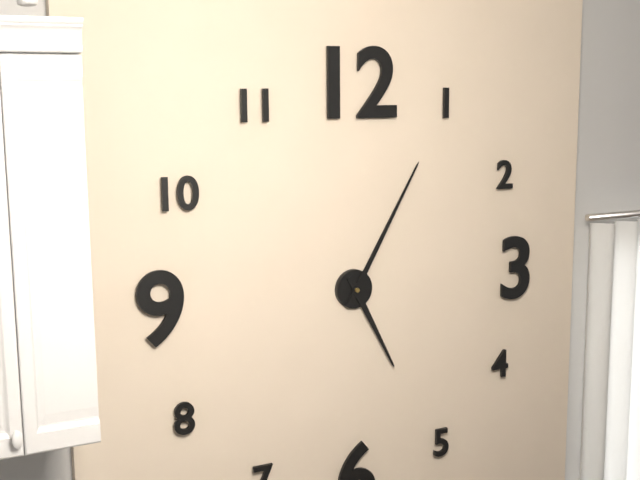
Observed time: 5:05
